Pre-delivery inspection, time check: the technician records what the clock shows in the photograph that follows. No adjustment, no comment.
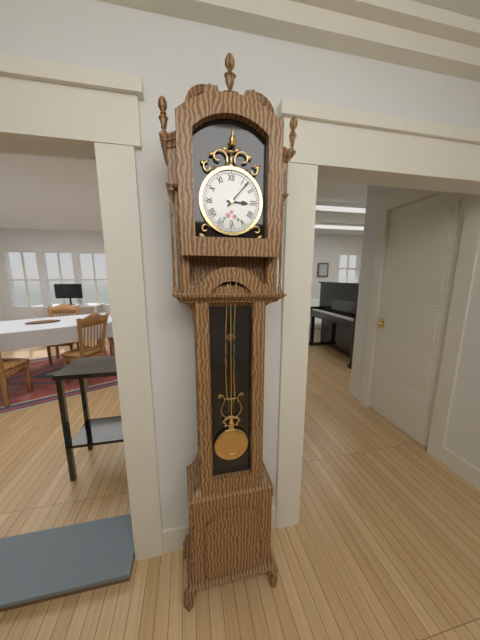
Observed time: 3:07
